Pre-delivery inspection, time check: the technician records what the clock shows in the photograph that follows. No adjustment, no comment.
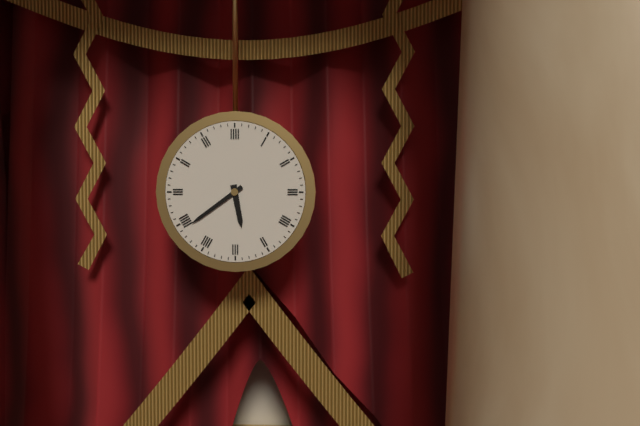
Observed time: 5:39
